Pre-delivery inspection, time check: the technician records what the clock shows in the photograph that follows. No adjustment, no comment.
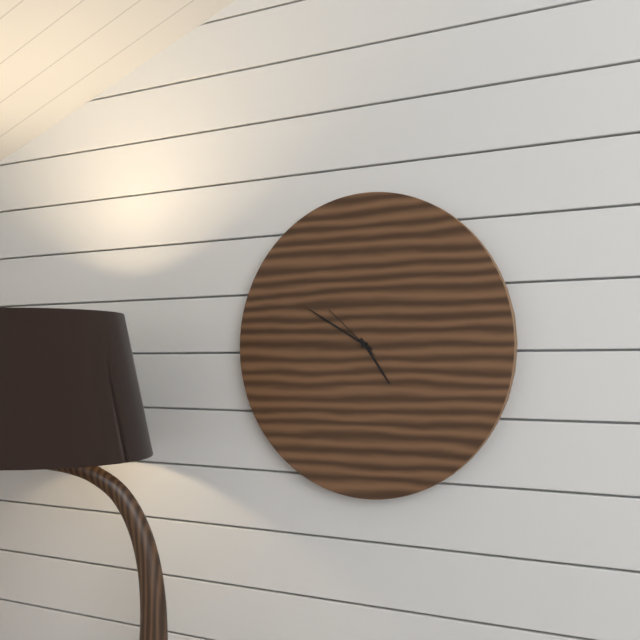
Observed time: 4:50:52
